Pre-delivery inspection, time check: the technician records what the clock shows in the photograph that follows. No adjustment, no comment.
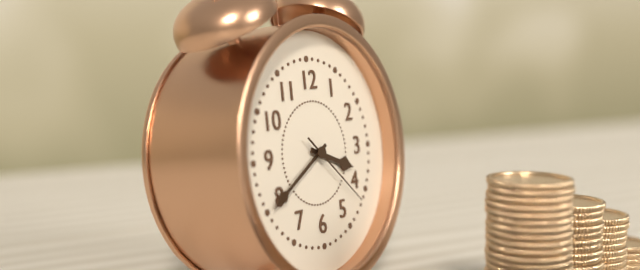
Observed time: 3:40:22
